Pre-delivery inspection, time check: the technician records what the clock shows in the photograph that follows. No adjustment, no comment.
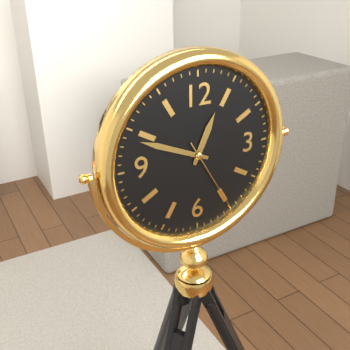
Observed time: 12:49:25
